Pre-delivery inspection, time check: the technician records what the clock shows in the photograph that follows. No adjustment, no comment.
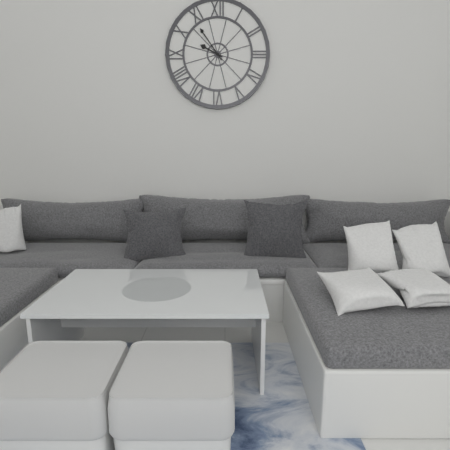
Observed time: 9:54
